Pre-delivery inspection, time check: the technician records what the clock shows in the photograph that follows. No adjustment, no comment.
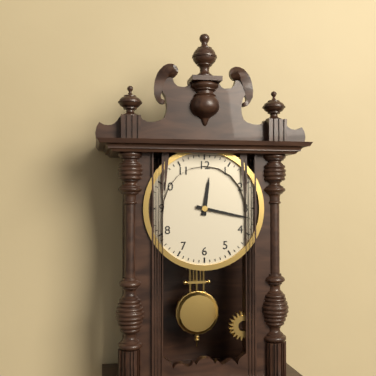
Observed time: 12:17
